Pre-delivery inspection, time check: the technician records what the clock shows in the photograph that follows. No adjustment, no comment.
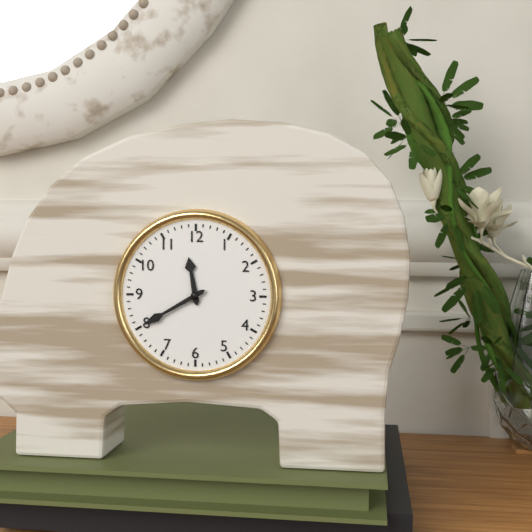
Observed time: 11:40
